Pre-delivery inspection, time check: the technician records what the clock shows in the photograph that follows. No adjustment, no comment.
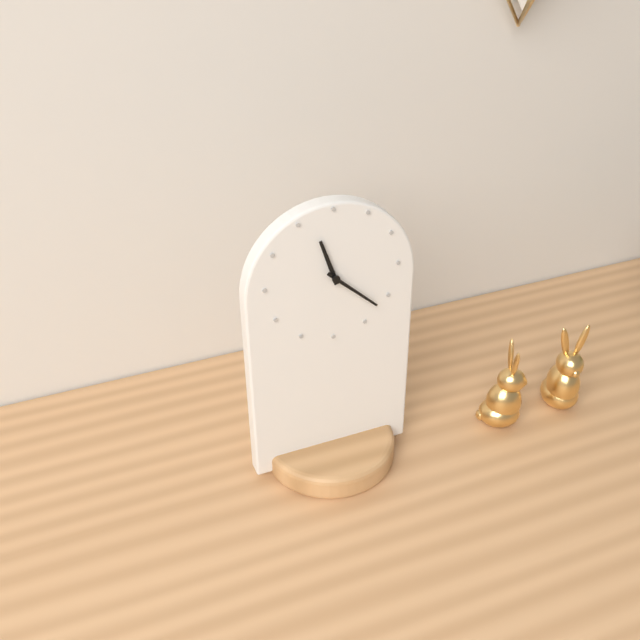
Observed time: 11:22
